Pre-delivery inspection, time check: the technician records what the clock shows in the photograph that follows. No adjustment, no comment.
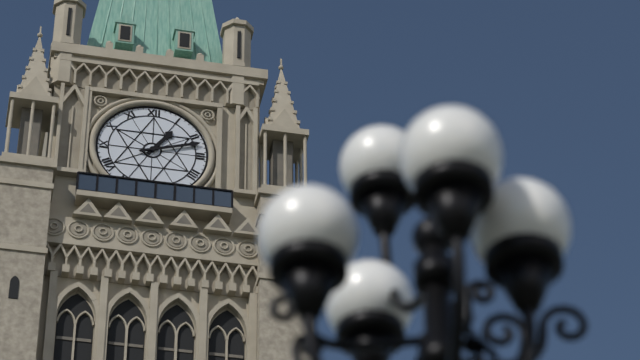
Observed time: 1:12
